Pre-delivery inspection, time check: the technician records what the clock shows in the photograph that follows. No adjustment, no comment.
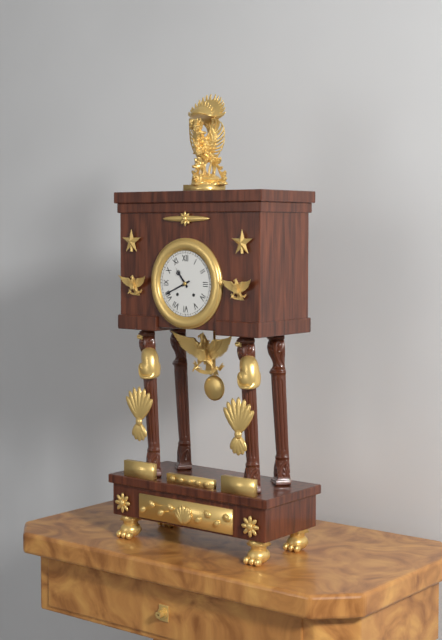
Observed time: 10:41
